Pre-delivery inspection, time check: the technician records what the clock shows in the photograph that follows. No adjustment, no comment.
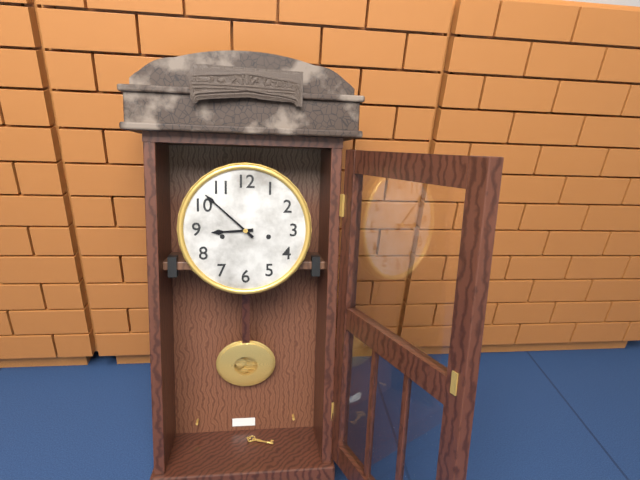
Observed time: 8:52
